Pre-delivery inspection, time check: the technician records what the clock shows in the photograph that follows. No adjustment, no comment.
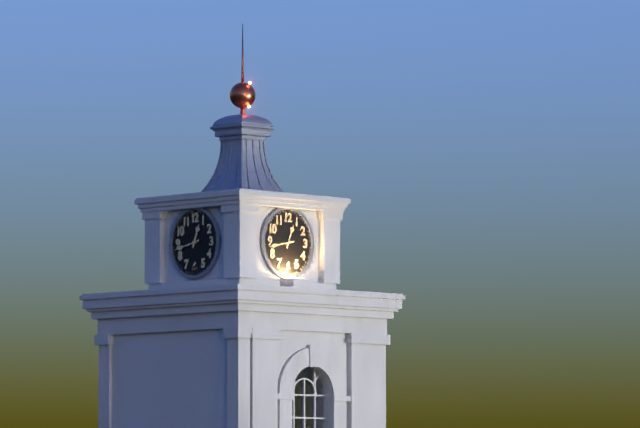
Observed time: 12:43
